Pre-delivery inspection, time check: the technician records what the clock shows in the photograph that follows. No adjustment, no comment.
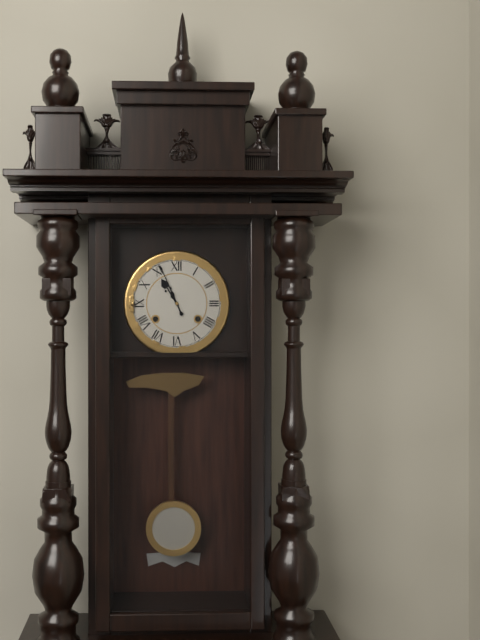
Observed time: 10:56
